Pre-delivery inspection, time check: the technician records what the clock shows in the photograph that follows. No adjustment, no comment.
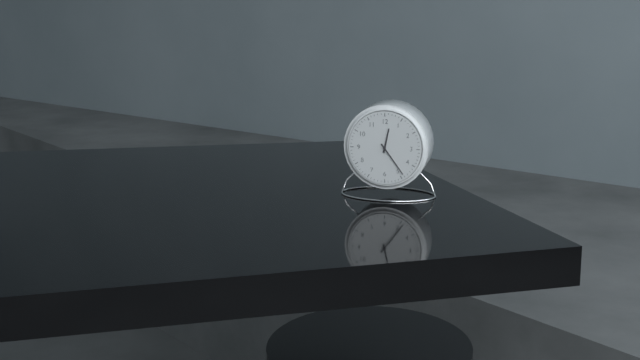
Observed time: 12:24
